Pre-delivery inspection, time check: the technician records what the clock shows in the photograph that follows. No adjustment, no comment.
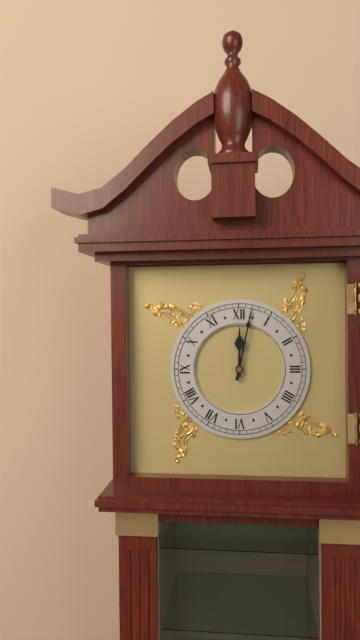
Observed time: 12:02
